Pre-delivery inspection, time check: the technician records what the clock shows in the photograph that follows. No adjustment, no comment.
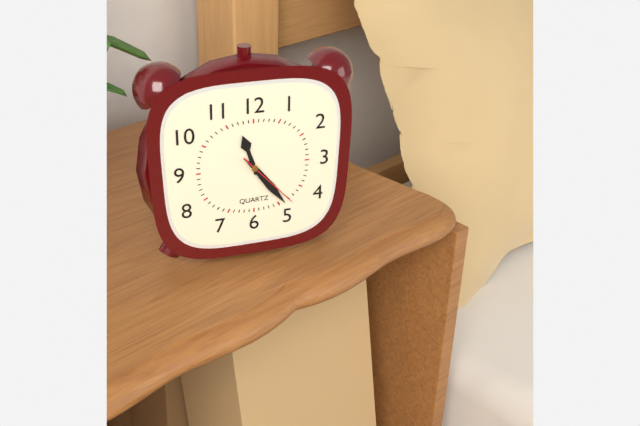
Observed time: 11:24:23
